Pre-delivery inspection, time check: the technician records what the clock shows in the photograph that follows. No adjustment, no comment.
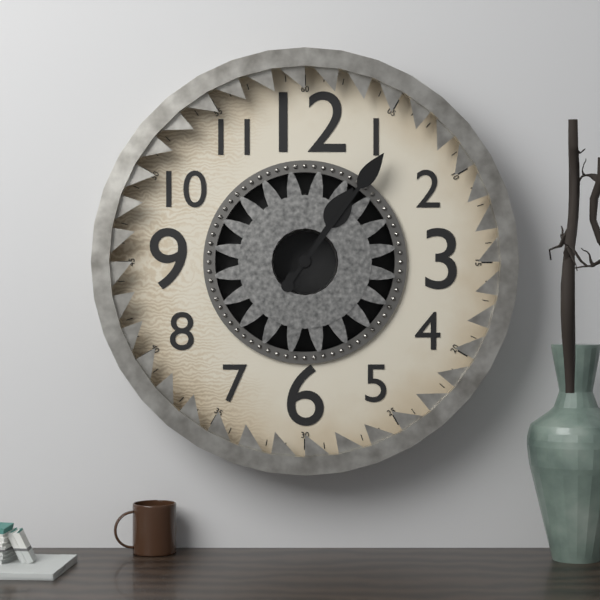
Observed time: 1:06
